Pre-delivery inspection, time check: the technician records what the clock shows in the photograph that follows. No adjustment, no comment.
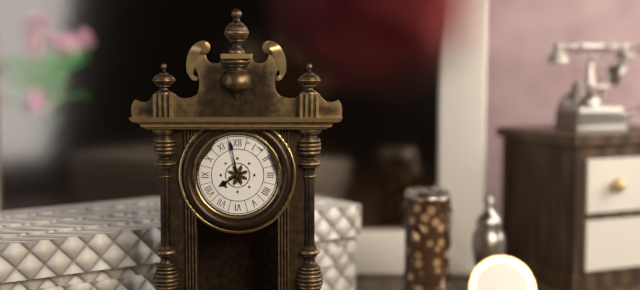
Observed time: 7:58
